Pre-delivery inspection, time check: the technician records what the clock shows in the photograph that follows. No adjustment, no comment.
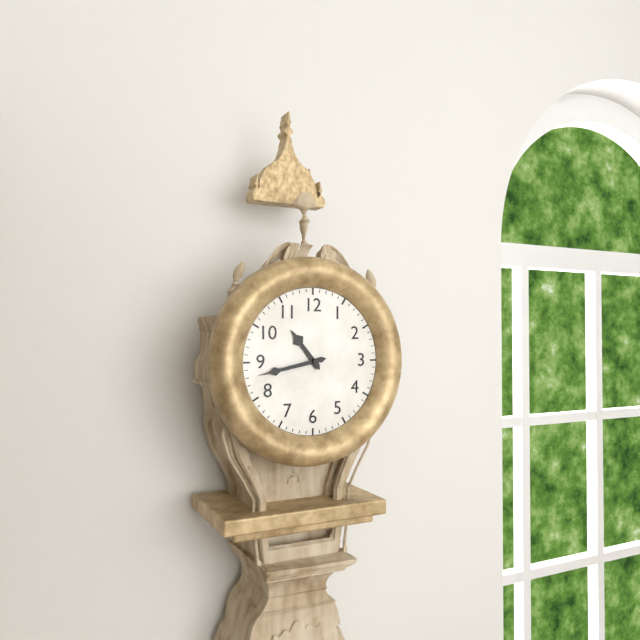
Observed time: 10:43
